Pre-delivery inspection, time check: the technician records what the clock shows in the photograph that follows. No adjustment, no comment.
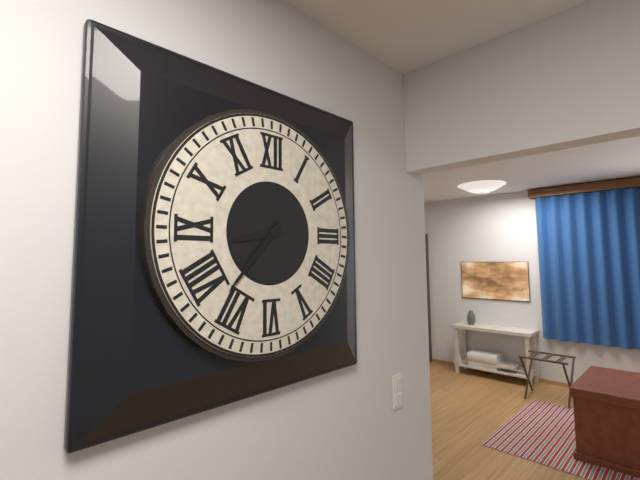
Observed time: 8:37
